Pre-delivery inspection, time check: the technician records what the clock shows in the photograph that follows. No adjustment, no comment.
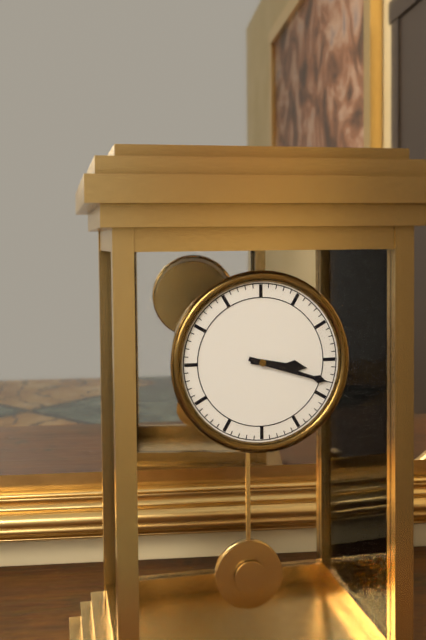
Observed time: 3:18
